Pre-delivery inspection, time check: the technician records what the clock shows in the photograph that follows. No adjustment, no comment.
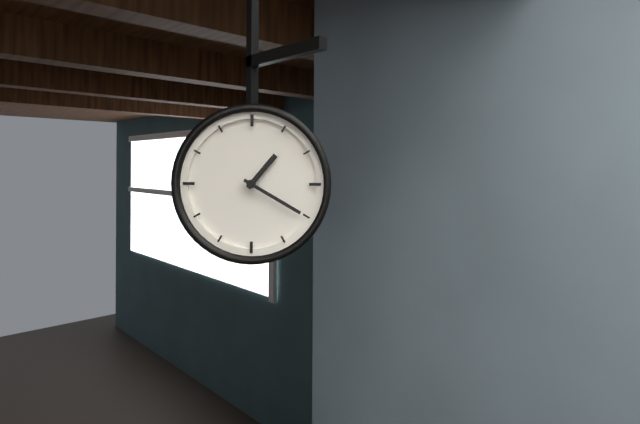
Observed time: 1:20
